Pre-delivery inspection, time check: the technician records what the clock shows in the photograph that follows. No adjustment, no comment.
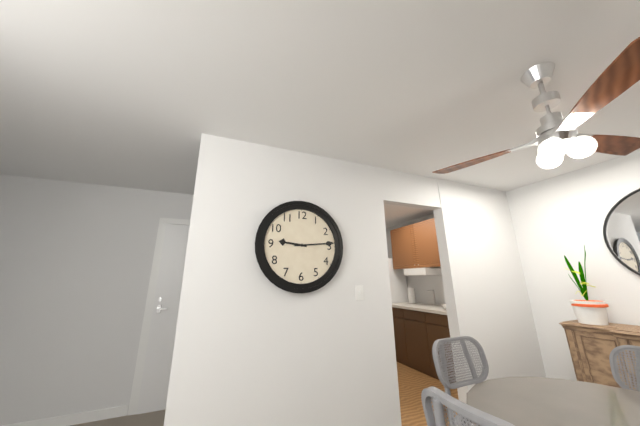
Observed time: 9:14
